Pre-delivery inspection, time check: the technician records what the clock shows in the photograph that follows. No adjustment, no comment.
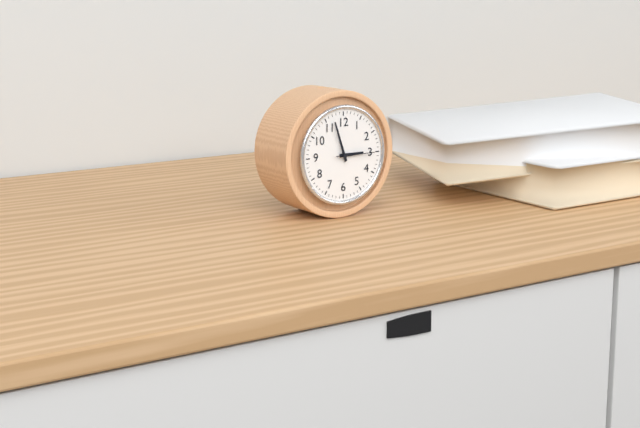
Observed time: 2:57
